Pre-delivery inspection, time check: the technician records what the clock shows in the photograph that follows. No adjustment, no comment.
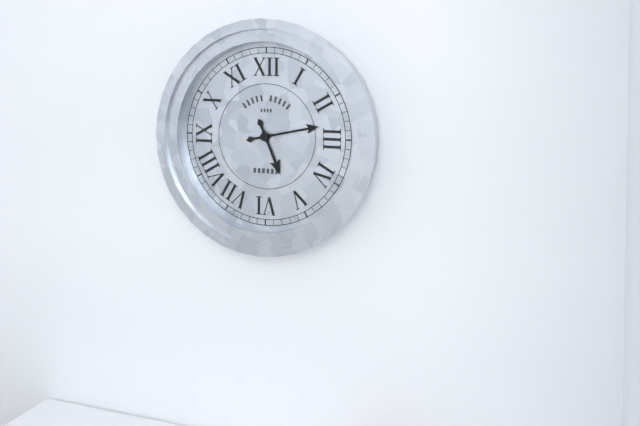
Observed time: 5:13
